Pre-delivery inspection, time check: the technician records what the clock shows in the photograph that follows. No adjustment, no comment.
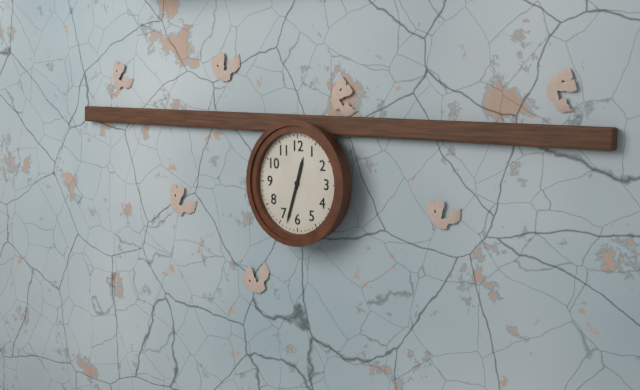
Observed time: 12:33
